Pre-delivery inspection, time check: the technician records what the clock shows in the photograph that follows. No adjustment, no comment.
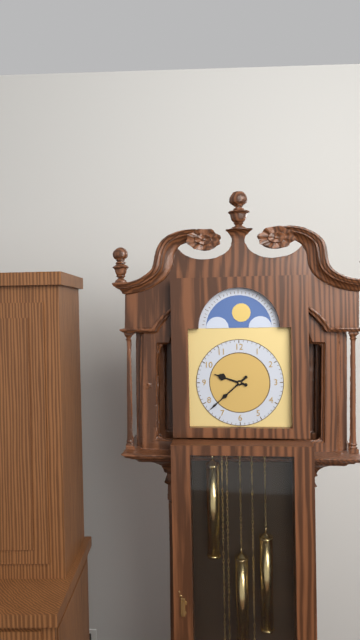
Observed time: 9:38
